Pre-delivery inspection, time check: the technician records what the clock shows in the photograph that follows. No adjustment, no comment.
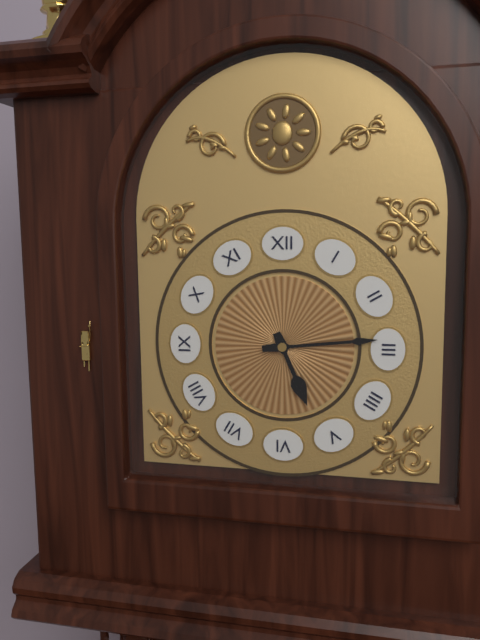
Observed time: 5:14
